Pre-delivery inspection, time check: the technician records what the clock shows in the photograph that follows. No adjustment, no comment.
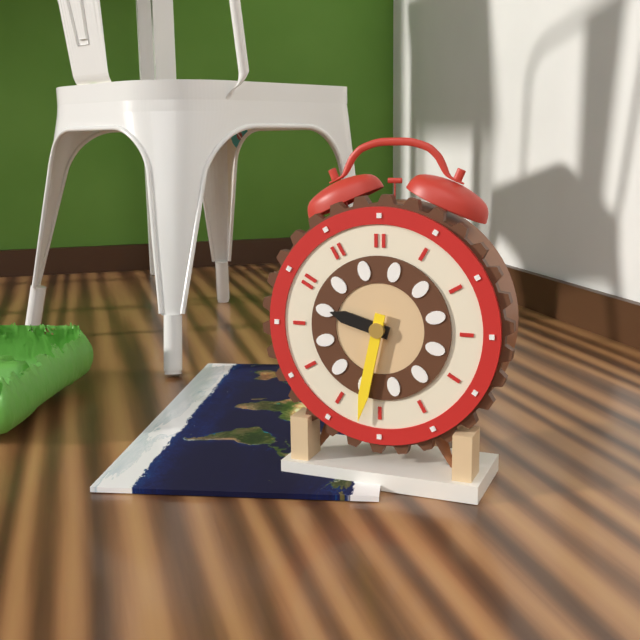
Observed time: 9:32
